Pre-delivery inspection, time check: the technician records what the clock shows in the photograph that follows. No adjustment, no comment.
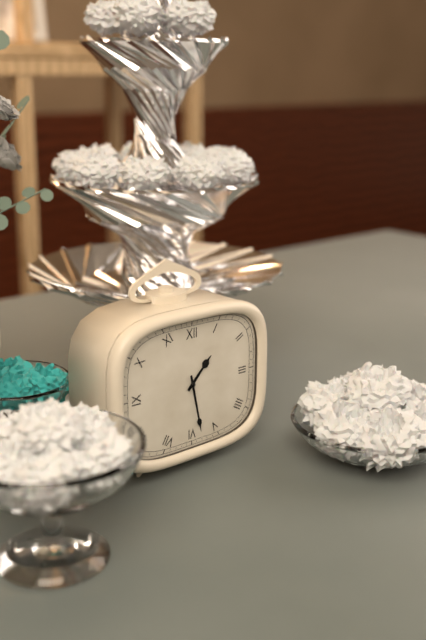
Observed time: 1:28
